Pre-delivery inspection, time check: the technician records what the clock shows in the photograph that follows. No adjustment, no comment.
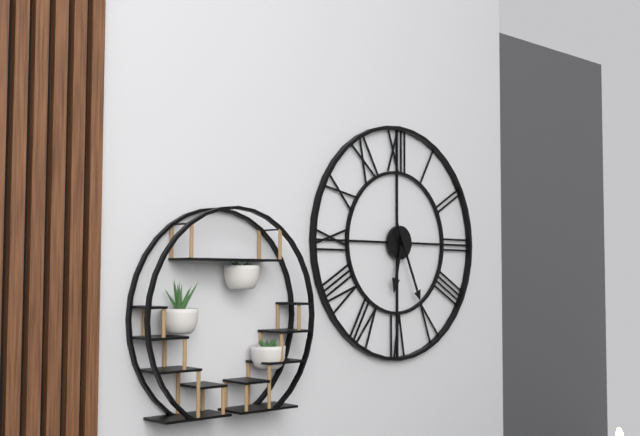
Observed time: 6:26
